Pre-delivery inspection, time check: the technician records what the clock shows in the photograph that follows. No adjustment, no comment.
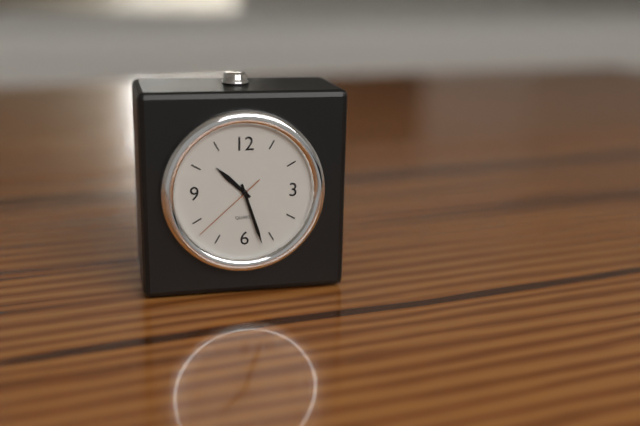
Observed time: 10:27:38
